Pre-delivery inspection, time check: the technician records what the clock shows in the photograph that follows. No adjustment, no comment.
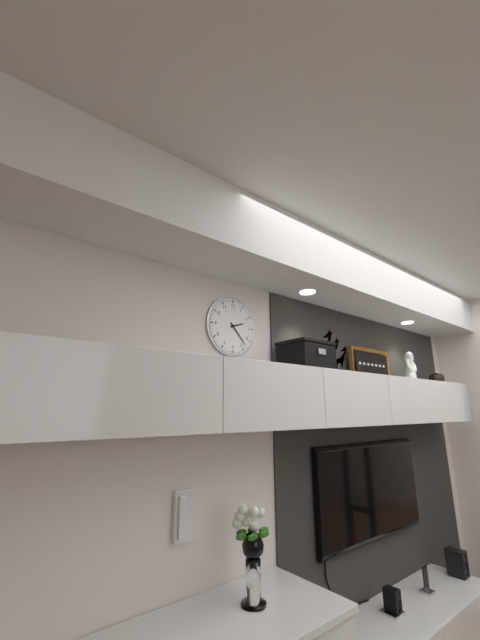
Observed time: 2:23
